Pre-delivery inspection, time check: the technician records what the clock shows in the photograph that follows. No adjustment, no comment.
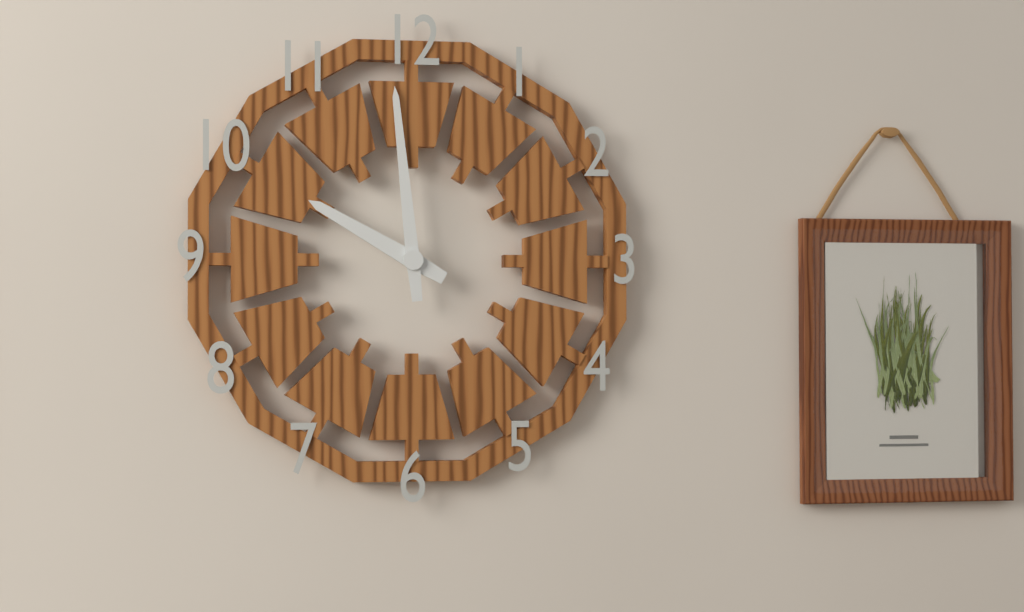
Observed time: 9:59
